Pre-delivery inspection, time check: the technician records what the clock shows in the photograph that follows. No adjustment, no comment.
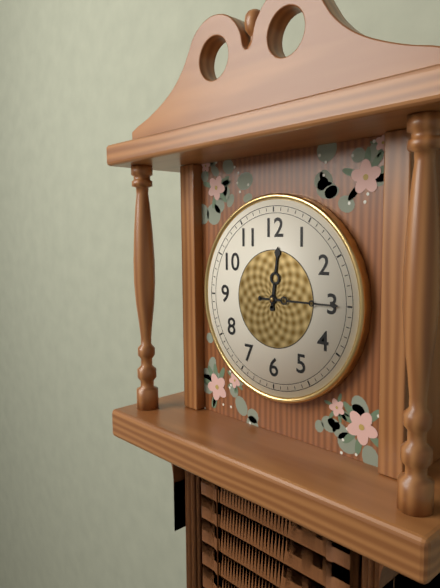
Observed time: 12:15
